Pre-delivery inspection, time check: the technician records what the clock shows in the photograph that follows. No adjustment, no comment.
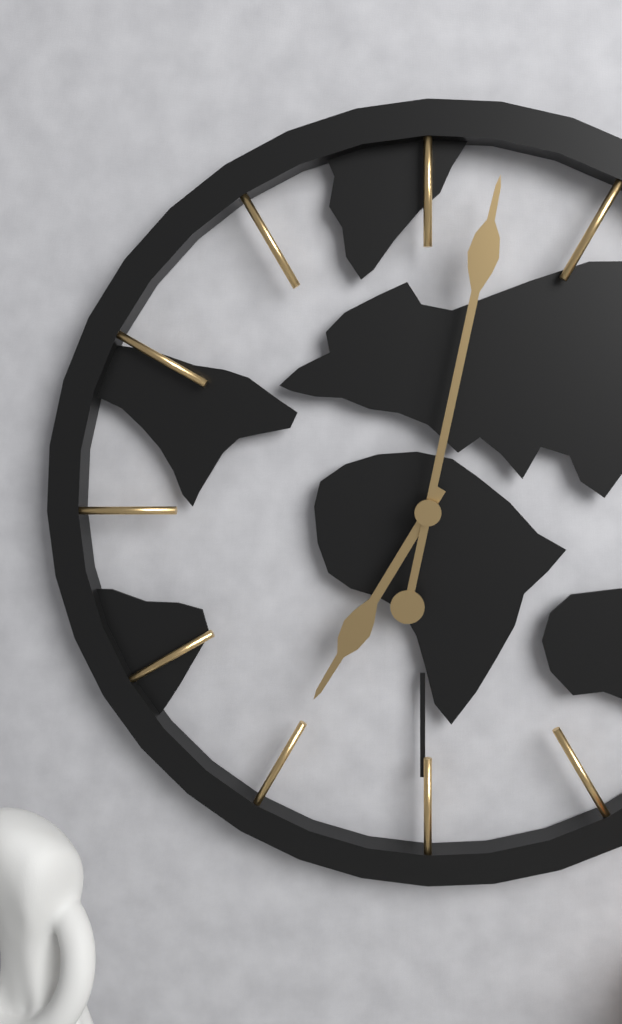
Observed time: 7:02
